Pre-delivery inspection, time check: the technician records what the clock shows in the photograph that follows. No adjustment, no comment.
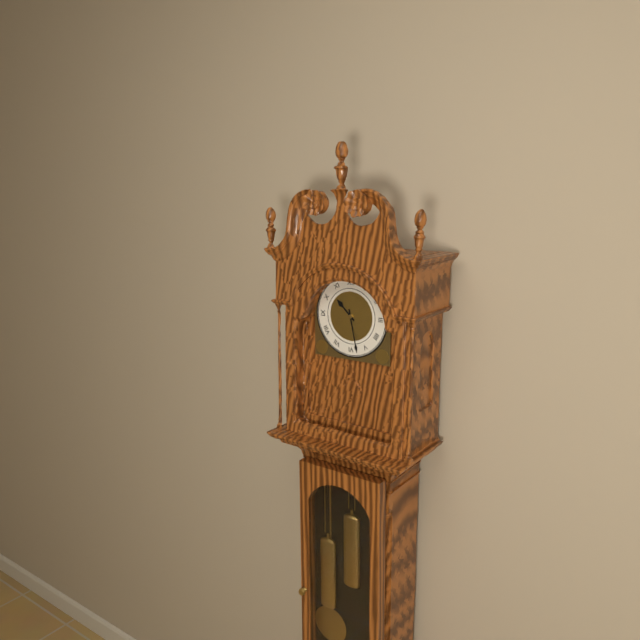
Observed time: 10:28
